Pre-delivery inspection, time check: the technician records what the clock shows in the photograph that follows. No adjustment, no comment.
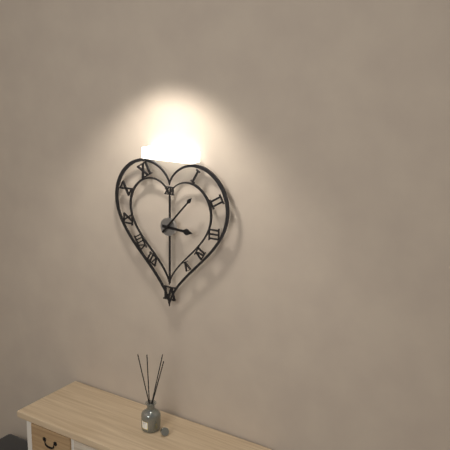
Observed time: 3:07
